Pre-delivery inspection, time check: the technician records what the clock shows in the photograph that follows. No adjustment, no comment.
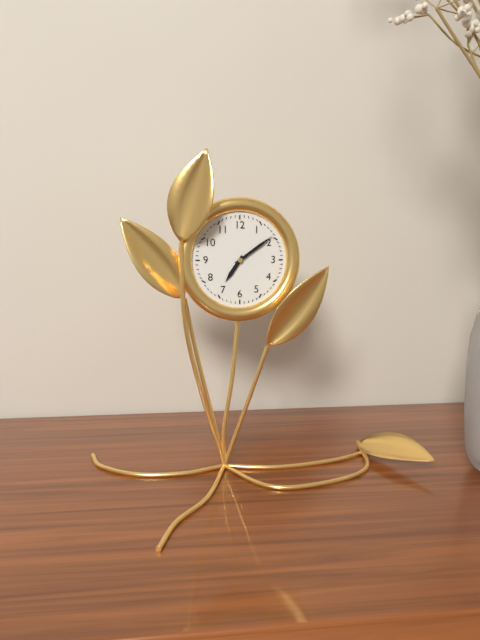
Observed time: 7:09
